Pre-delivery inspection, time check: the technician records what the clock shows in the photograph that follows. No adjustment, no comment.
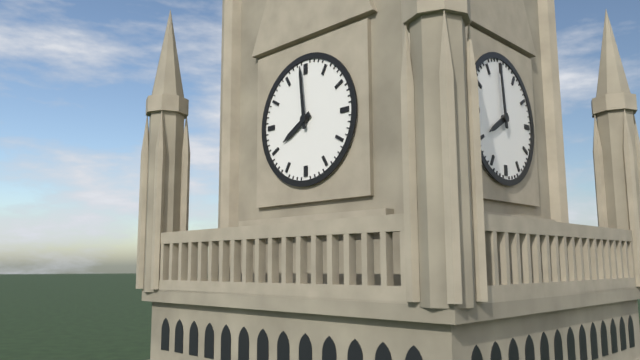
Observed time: 7:59
